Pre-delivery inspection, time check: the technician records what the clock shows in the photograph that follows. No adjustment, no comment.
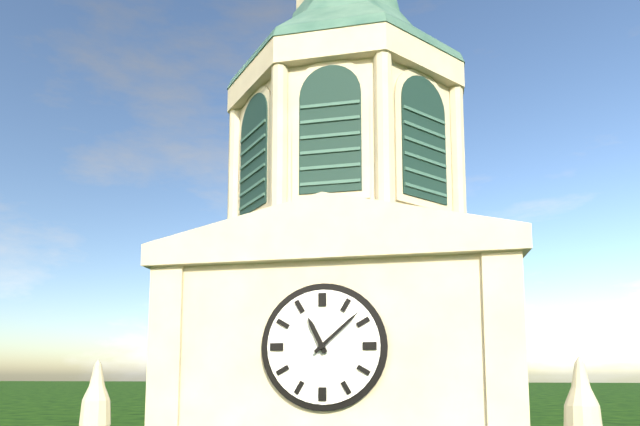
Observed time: 11:08
